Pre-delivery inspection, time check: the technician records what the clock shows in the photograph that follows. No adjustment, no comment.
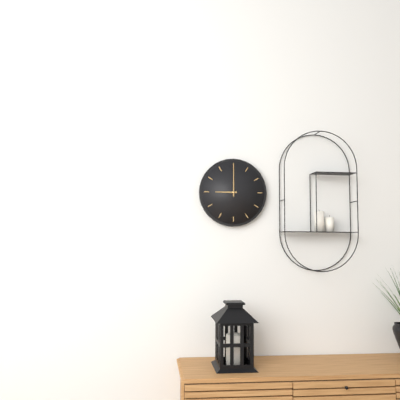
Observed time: 9:00
